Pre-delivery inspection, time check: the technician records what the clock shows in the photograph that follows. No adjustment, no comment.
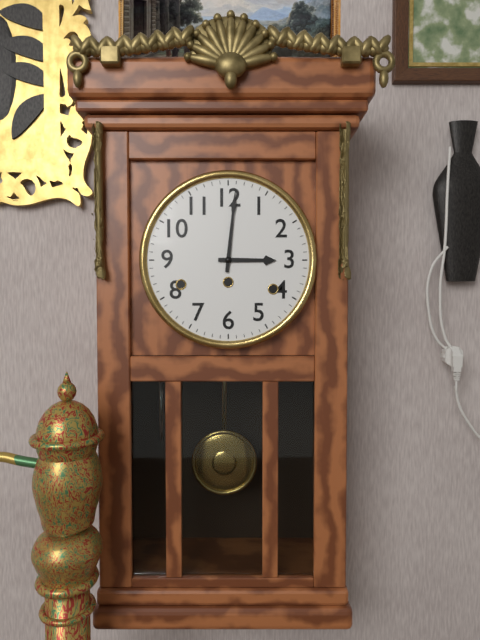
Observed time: 3:01
